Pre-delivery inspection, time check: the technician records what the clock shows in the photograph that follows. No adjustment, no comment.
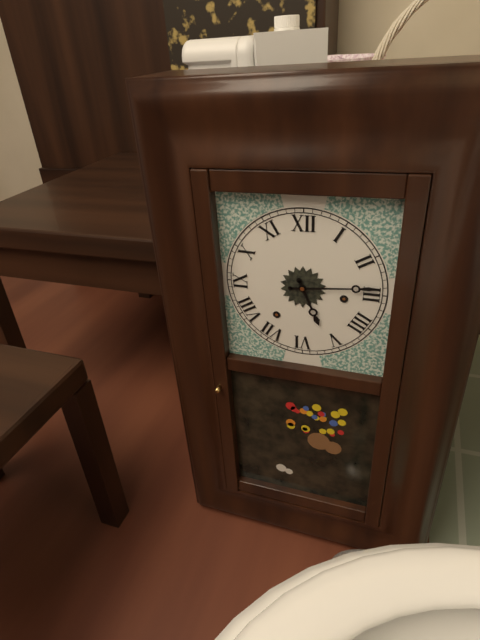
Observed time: 5:14
